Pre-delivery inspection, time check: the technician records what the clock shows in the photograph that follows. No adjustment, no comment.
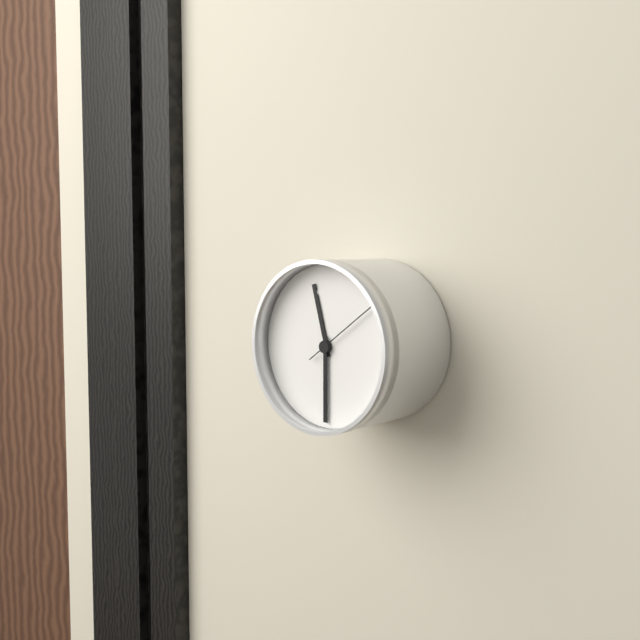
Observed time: 11:30:09
